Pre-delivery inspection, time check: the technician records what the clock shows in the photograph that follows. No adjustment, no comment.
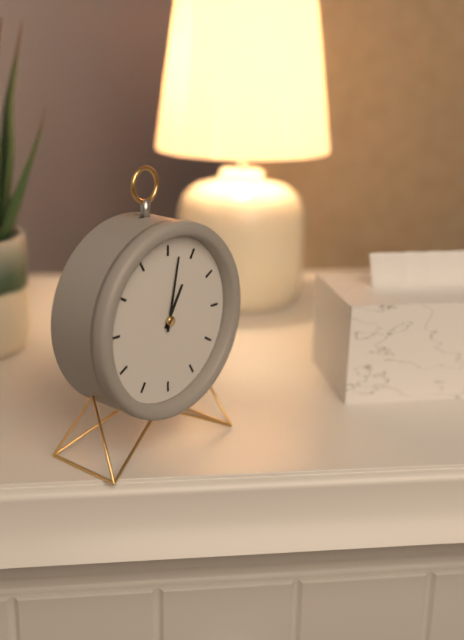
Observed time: 1:02
